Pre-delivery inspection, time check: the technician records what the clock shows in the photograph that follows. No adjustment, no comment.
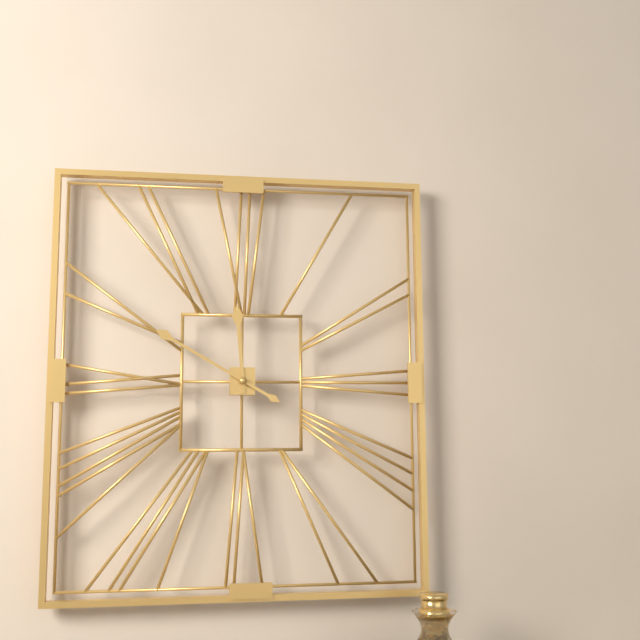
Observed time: 11:50
